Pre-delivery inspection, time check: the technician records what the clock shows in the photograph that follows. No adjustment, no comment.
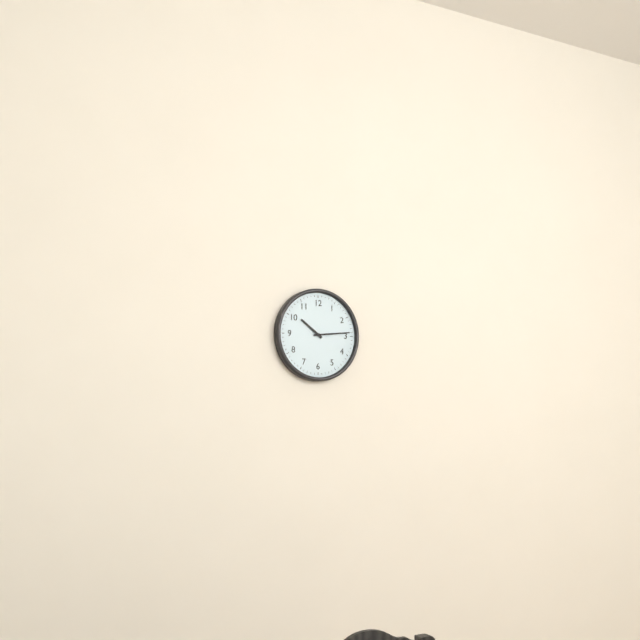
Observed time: 10:14
